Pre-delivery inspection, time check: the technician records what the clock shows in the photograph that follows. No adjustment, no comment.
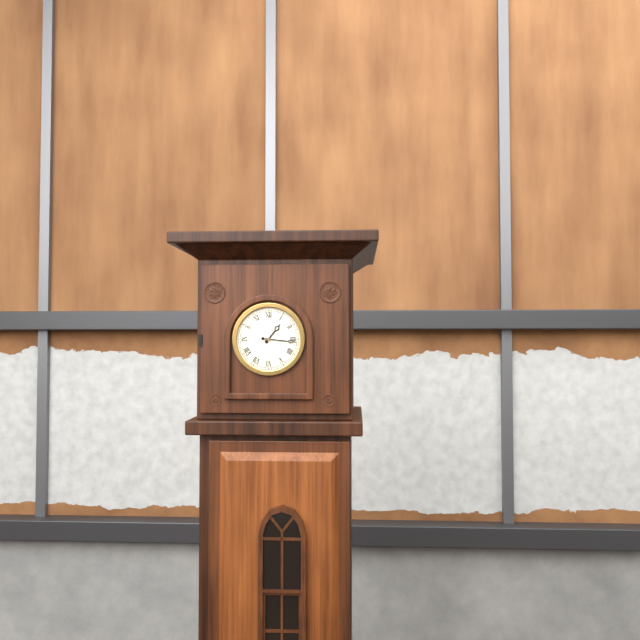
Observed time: 1:16
